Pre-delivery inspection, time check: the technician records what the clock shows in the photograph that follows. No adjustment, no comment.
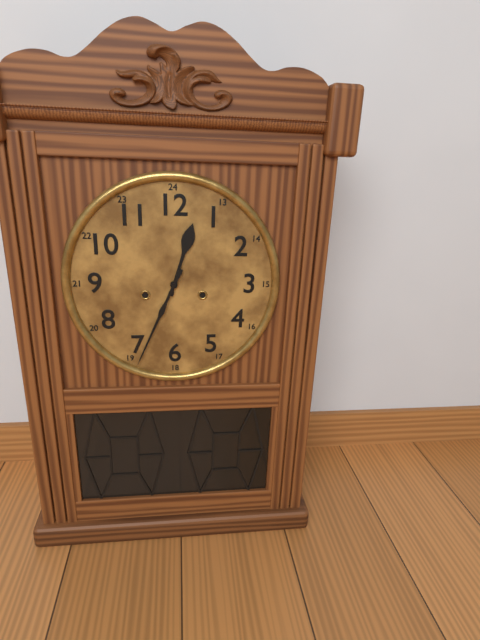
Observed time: 12:34
